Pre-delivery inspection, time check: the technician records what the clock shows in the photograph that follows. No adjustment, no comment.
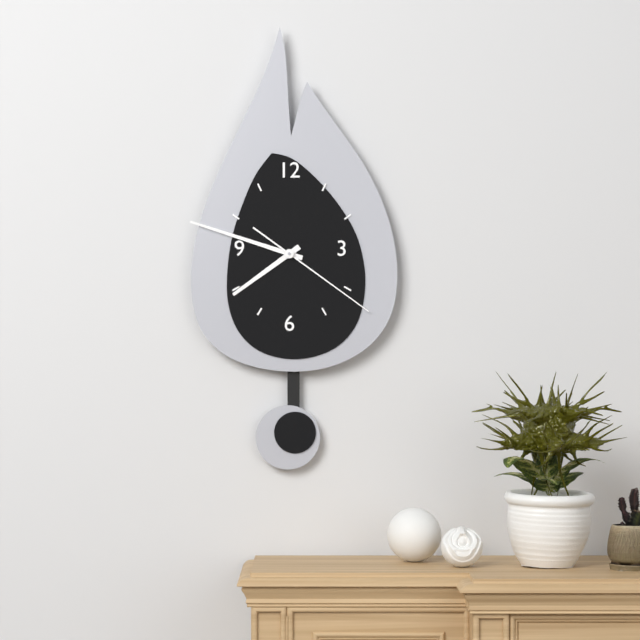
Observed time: 7:48:21
